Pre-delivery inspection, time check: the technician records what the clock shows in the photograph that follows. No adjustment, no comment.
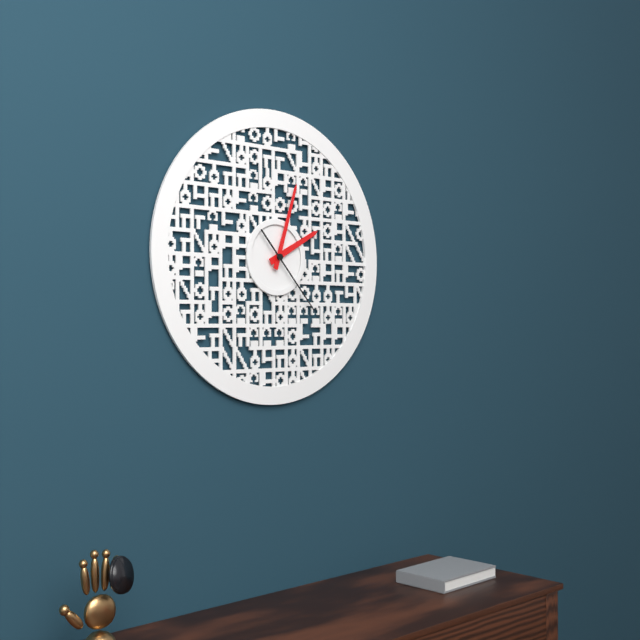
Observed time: 2:03:23
